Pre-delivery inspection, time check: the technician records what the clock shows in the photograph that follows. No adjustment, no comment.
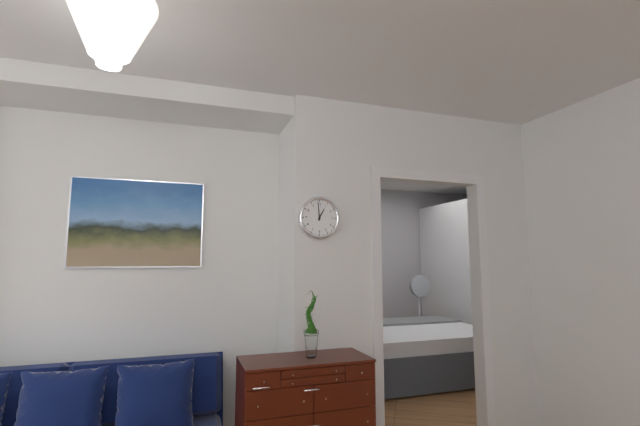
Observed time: 12:59
